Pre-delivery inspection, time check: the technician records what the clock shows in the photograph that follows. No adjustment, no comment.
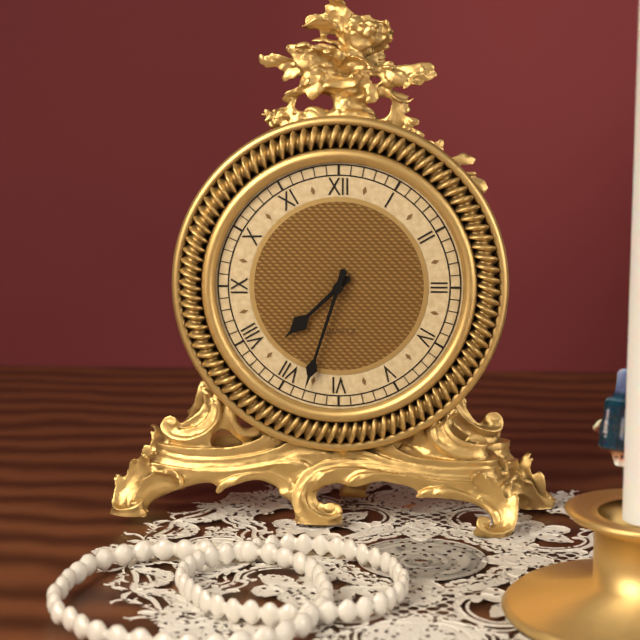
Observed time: 7:33
